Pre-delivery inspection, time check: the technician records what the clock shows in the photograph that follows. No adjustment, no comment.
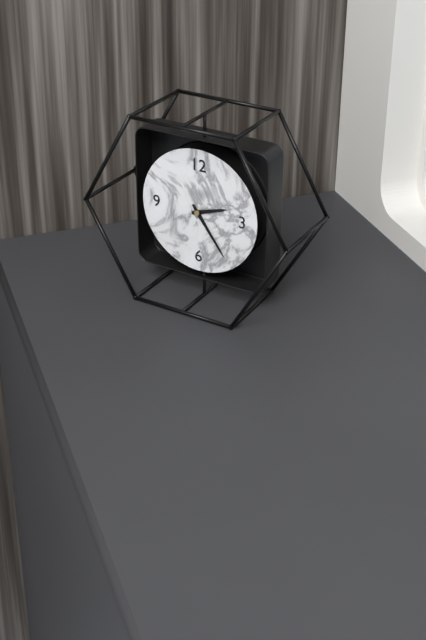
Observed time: 2:24
